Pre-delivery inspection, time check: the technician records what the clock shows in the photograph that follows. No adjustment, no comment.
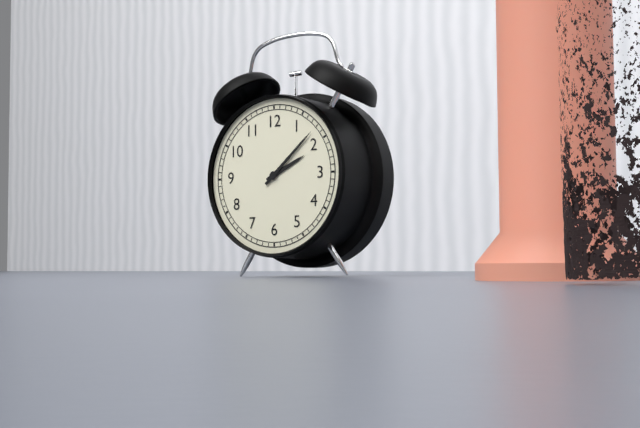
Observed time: 2:08
